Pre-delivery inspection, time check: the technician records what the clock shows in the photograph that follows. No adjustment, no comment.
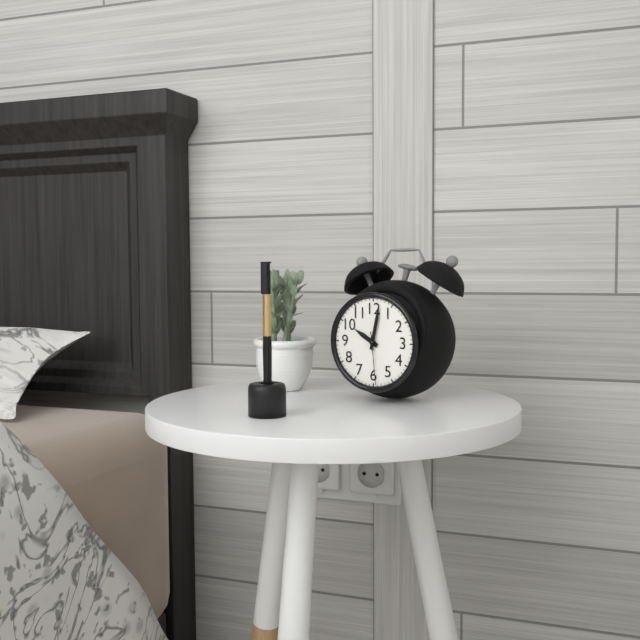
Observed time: 10:02:29
